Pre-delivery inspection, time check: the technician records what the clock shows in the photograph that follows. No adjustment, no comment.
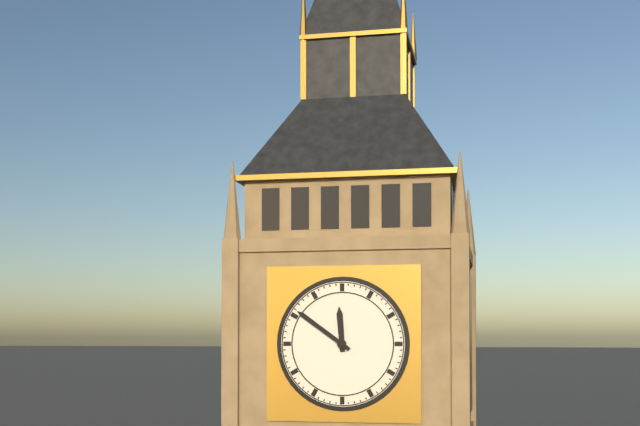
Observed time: 11:51
